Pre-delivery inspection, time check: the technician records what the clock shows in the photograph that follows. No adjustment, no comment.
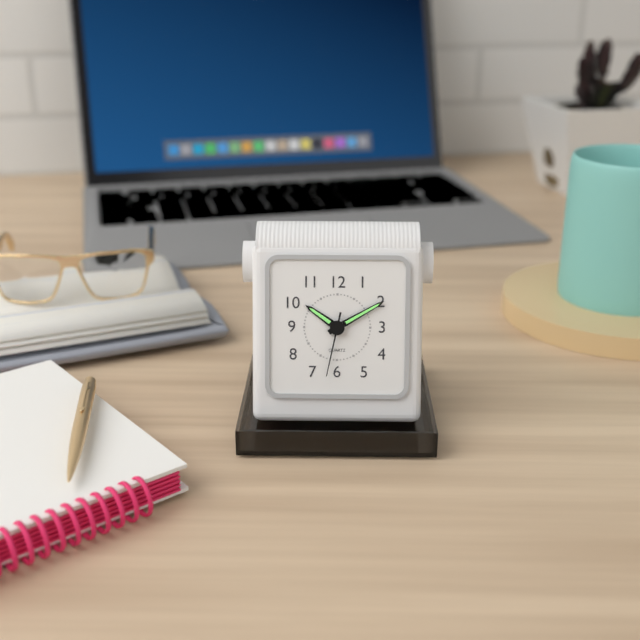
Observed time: 10:10:32
